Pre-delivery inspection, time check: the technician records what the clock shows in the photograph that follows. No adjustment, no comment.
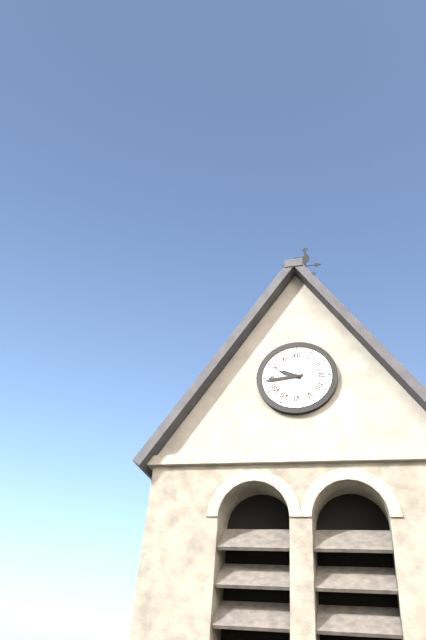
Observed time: 9:44
